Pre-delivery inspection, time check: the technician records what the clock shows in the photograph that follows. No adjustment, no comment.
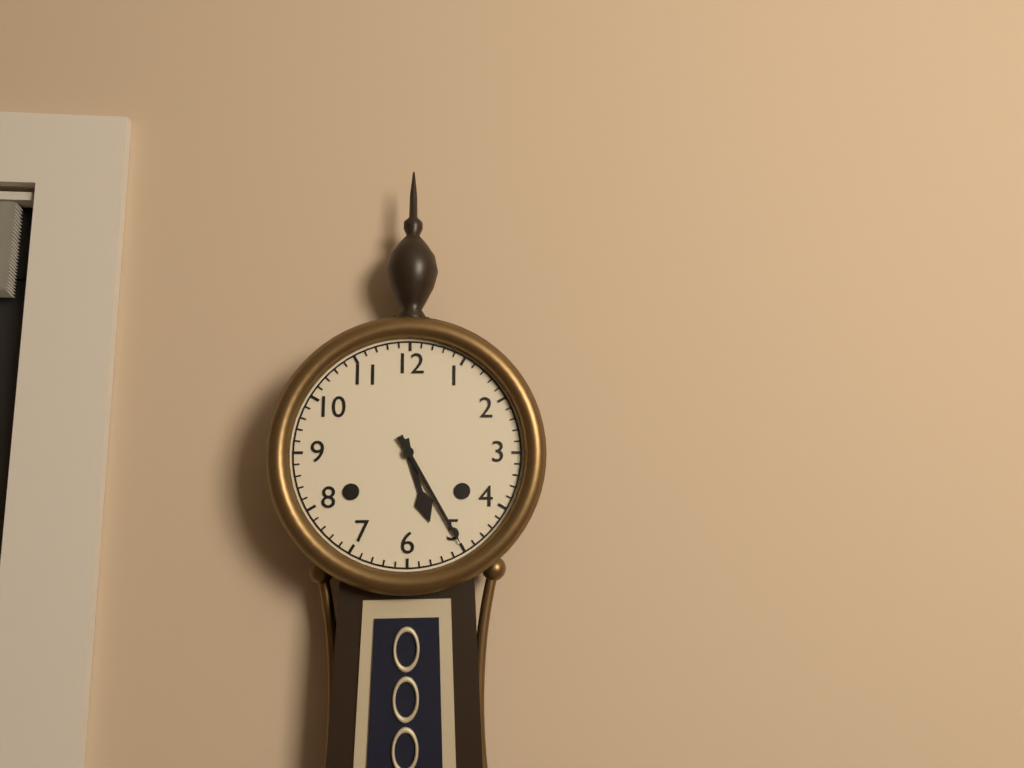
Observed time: 5:25
